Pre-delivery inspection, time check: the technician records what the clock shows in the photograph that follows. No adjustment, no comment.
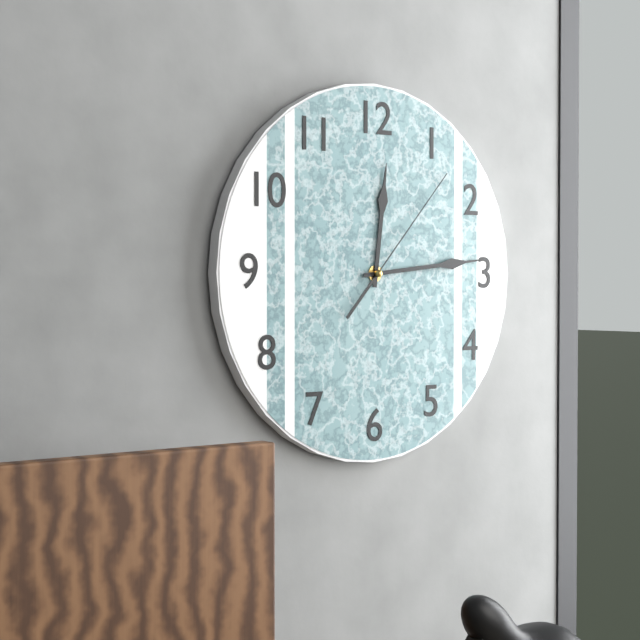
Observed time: 12:14:07
